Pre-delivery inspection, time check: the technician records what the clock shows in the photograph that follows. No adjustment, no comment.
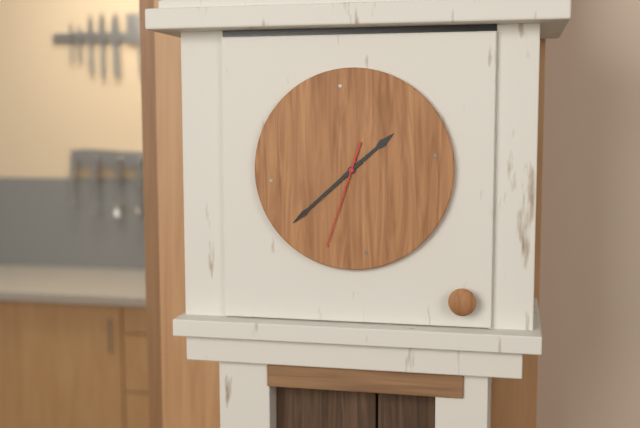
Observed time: 1:38:33
